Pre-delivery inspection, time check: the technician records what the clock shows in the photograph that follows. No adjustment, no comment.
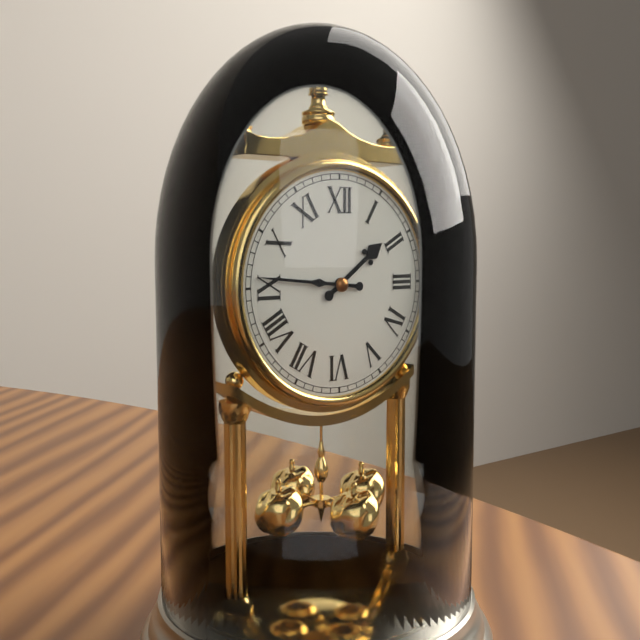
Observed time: 1:46
